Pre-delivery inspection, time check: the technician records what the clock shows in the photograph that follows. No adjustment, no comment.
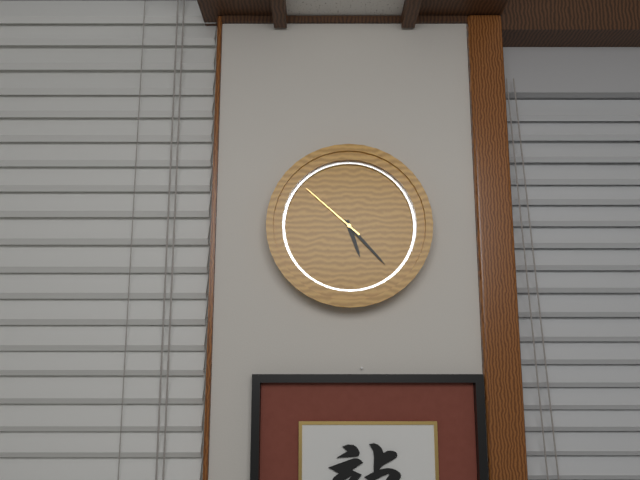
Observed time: 5:23:52
